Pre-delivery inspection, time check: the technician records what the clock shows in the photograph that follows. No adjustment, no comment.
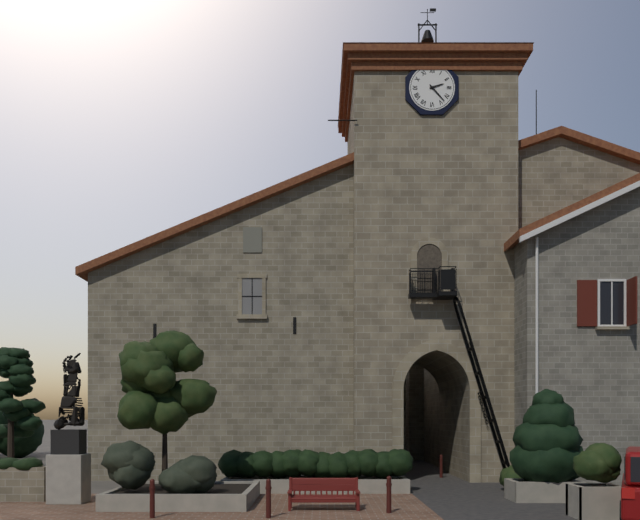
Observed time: 2:23
